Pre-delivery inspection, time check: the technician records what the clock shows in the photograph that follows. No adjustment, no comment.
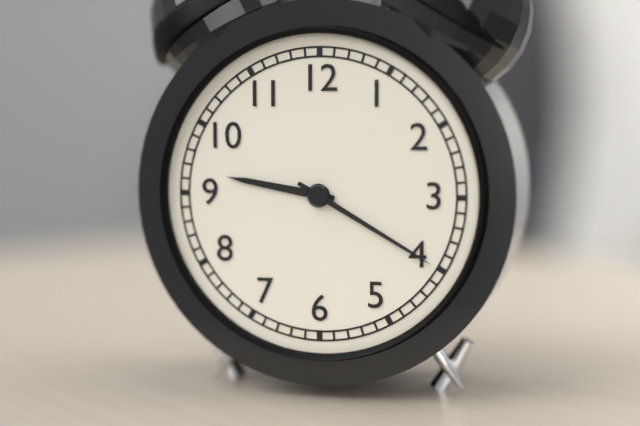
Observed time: 9:20
